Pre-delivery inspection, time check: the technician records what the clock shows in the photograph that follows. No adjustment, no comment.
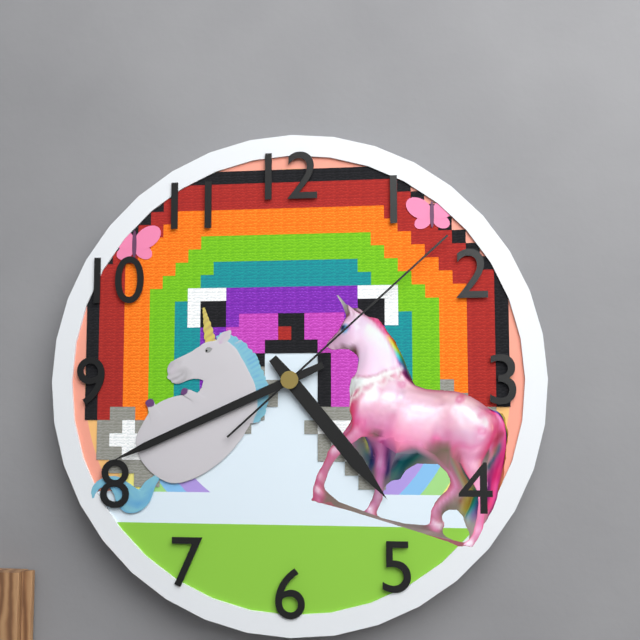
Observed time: 4:41:08
